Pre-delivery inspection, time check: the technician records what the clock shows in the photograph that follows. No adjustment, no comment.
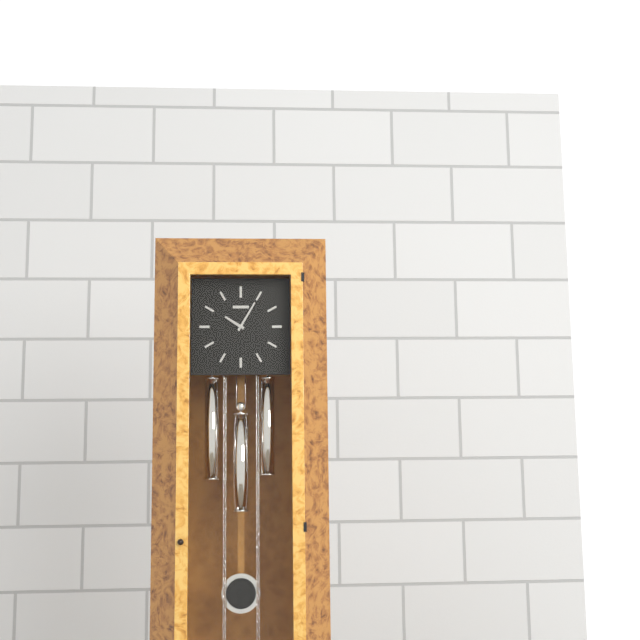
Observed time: 10:05
